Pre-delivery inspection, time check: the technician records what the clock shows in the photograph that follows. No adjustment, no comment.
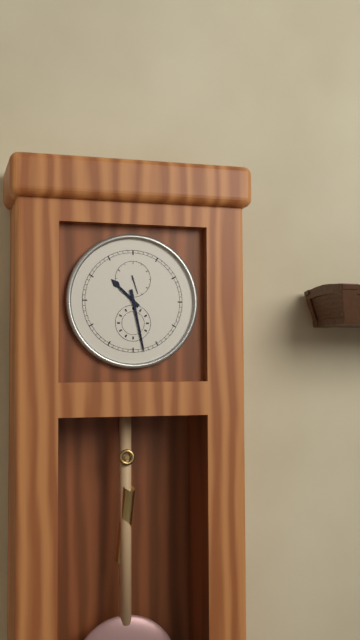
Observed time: 10:28
